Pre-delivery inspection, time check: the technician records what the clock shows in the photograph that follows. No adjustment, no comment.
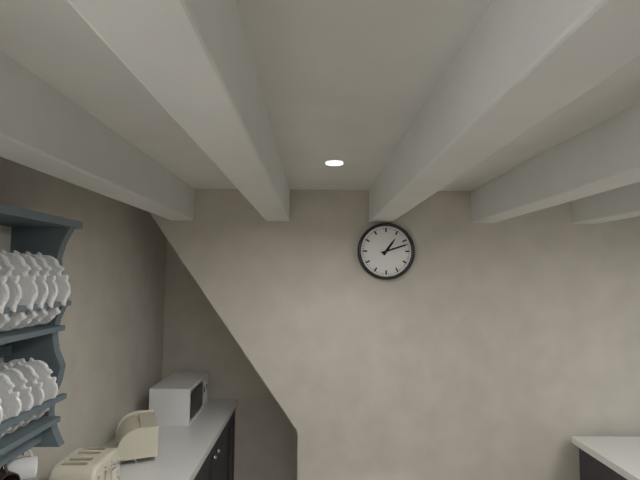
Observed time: 1:12
